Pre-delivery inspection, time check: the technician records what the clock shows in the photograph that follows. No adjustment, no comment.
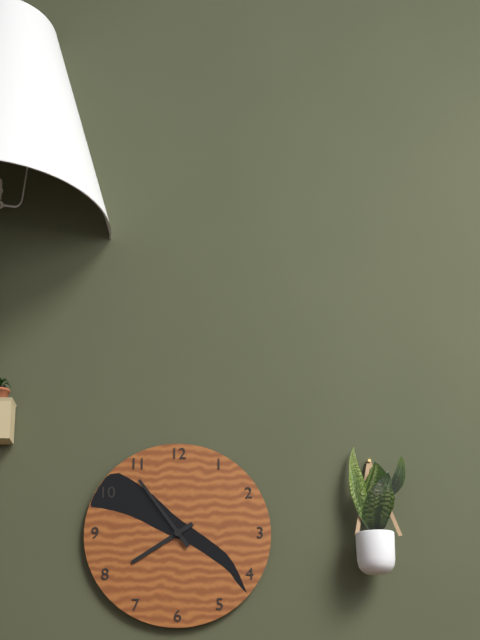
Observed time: 7:54
